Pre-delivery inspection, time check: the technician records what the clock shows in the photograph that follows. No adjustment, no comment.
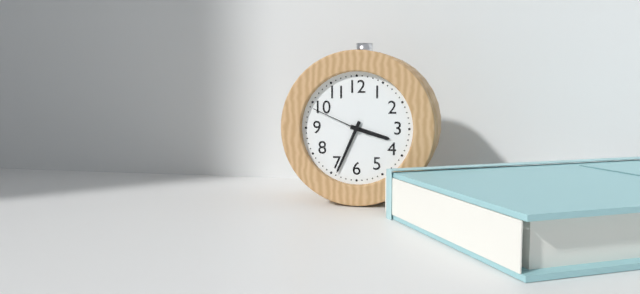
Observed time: 3:34:49
